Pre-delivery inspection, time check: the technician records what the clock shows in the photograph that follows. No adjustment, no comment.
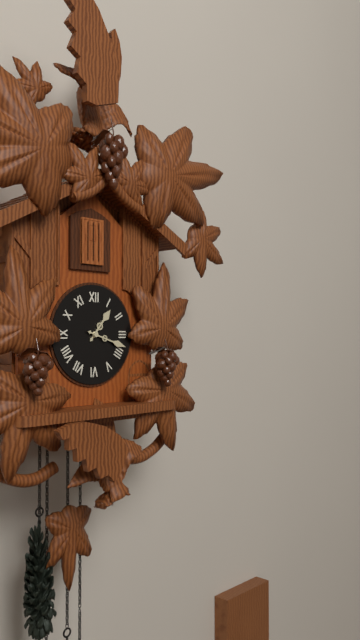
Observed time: 1:18
